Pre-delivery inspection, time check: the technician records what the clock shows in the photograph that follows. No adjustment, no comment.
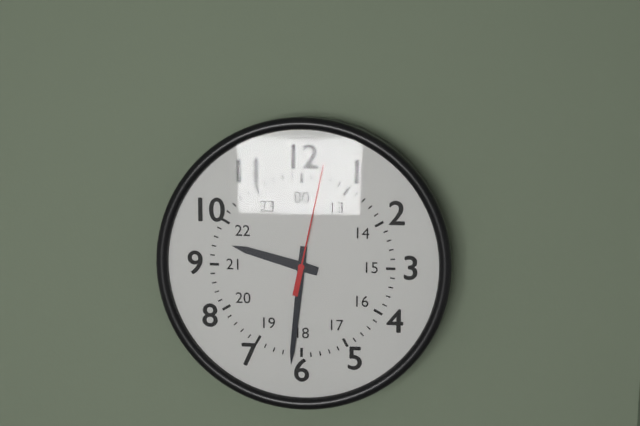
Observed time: 9:31:02
